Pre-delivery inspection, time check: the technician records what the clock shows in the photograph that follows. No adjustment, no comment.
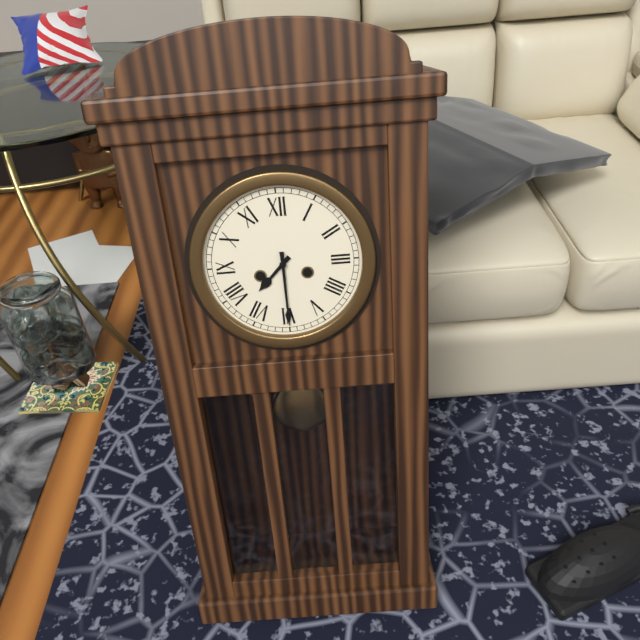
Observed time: 7:30
